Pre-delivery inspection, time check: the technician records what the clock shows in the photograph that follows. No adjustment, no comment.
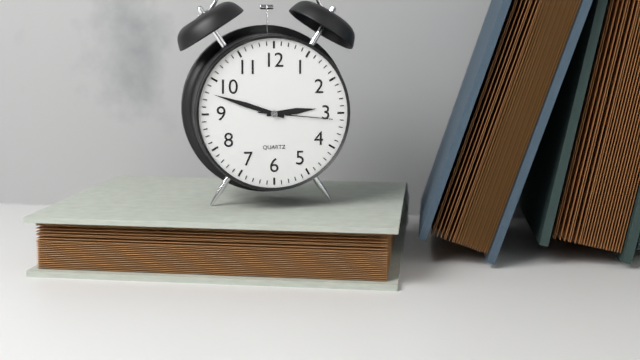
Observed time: 2:48:16
